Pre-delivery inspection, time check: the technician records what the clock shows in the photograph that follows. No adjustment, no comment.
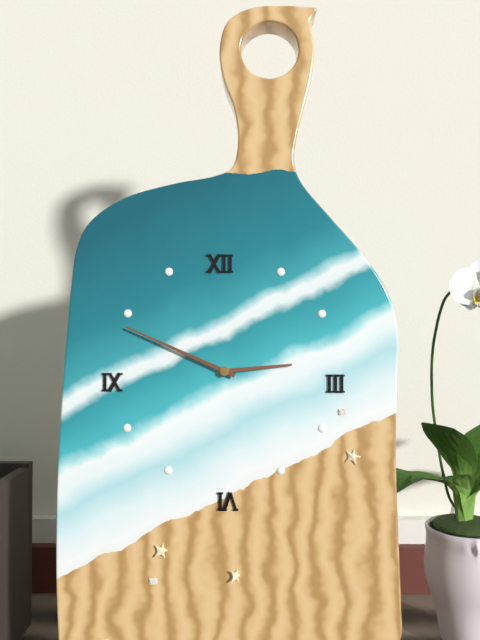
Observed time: 2:49
